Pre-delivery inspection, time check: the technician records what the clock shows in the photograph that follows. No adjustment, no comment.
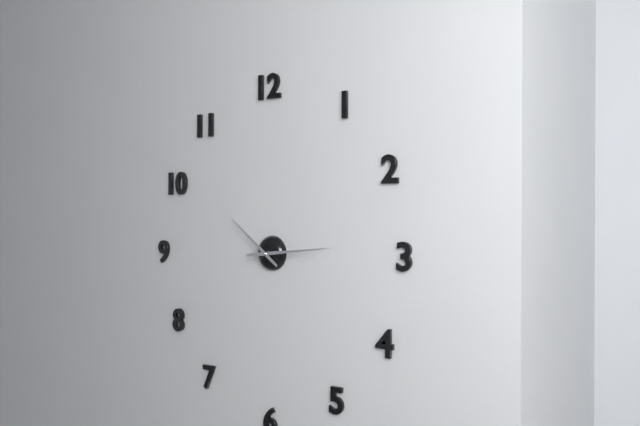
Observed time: 10:14
